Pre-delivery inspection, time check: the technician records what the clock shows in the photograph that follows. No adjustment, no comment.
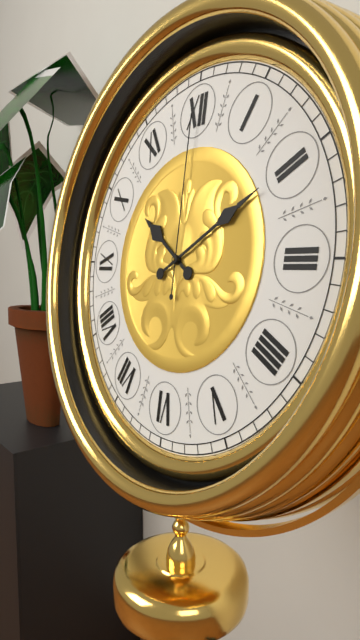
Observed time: 10:10:00
